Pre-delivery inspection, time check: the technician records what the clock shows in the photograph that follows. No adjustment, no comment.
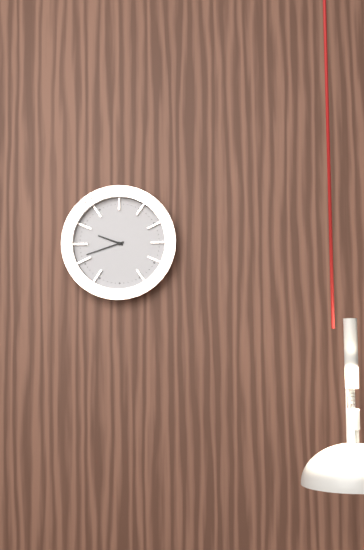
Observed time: 9:42
